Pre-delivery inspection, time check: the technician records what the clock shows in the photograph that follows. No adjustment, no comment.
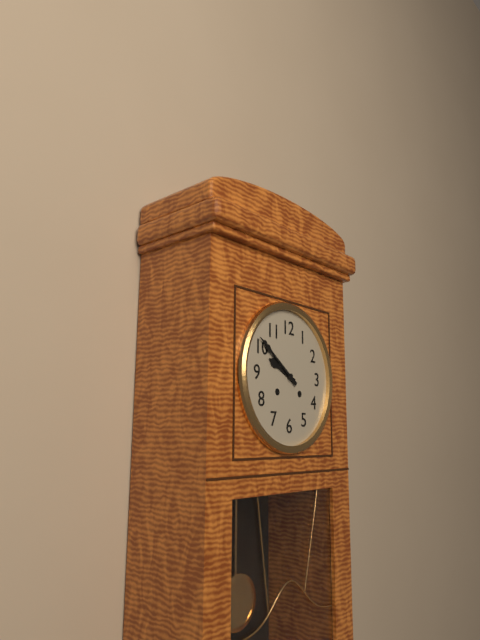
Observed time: 9:51
